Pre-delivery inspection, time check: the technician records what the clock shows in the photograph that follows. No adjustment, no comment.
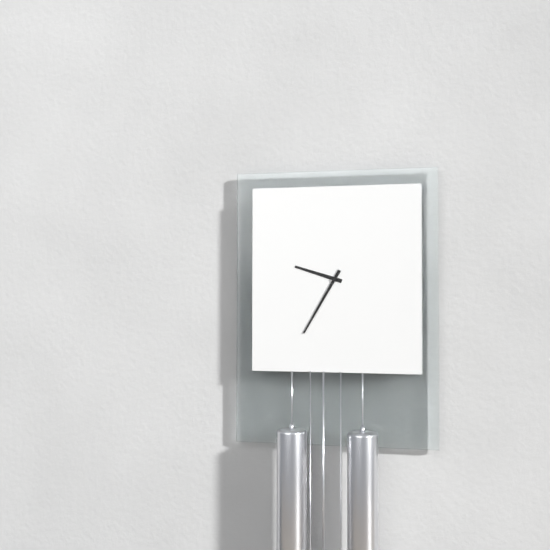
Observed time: 9:35
